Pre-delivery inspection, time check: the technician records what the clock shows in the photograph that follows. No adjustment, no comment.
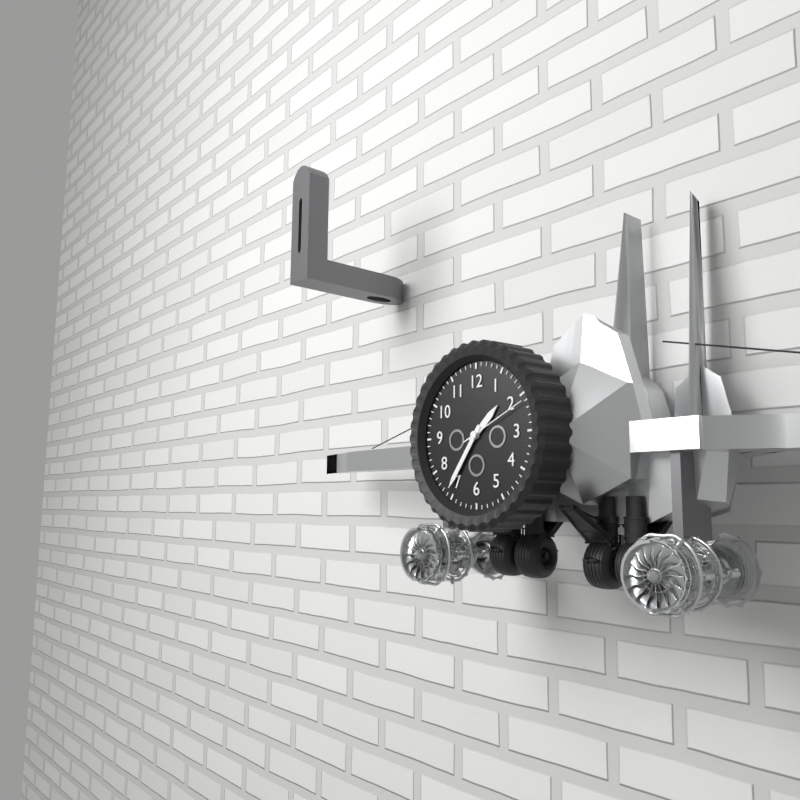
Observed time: 1:36:11
